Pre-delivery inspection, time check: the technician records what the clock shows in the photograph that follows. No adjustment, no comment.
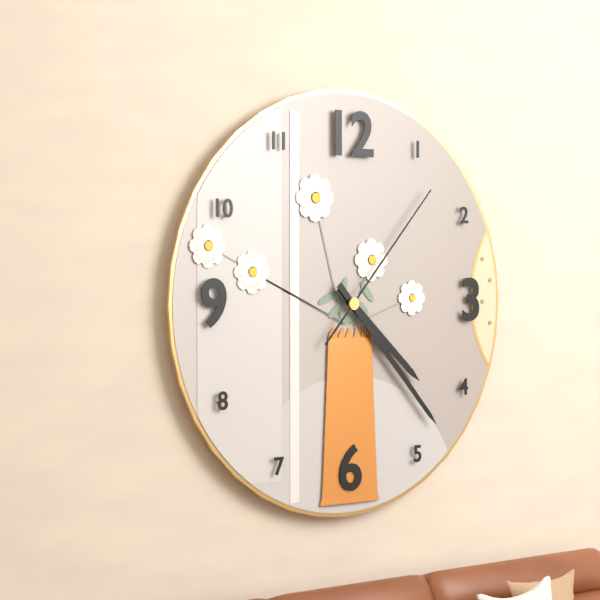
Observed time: 4:23:07
